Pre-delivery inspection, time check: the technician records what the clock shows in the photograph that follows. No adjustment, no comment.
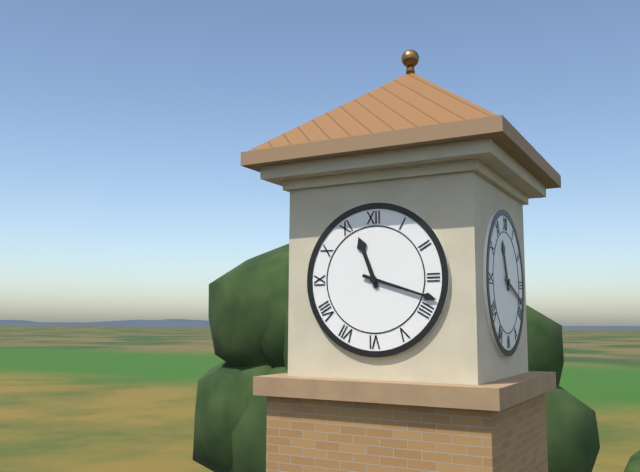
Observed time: 11:18
